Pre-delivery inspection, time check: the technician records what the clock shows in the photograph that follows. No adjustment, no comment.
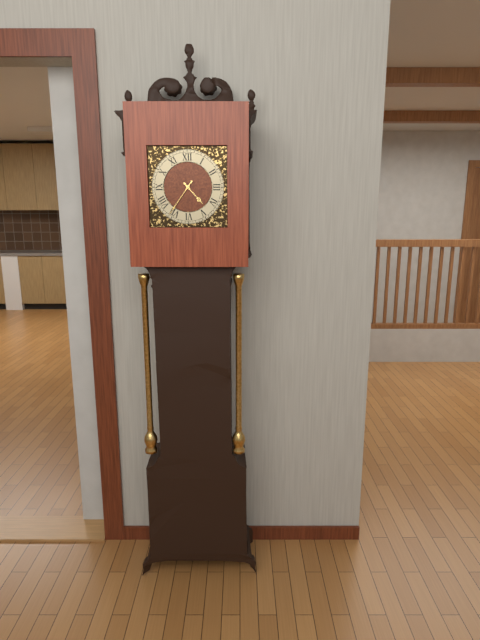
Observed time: 4:36
